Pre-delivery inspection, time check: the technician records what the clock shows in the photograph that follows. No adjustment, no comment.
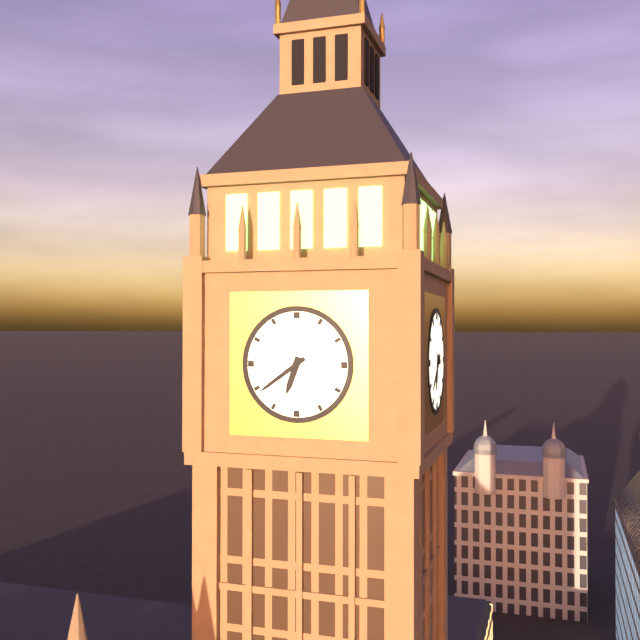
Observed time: 6:39
